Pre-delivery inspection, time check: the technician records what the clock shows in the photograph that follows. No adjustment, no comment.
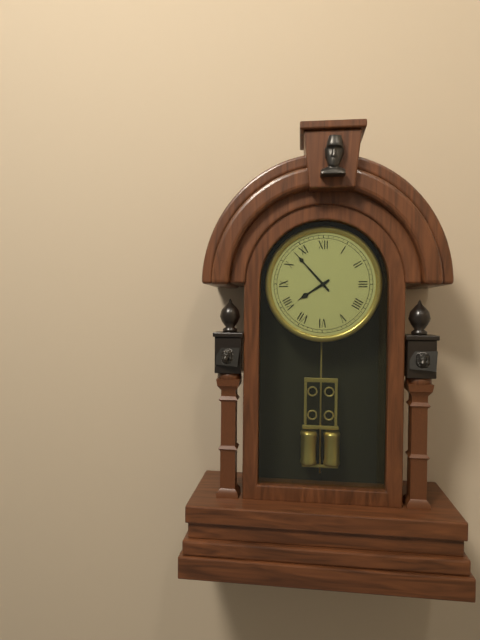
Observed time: 7:53
